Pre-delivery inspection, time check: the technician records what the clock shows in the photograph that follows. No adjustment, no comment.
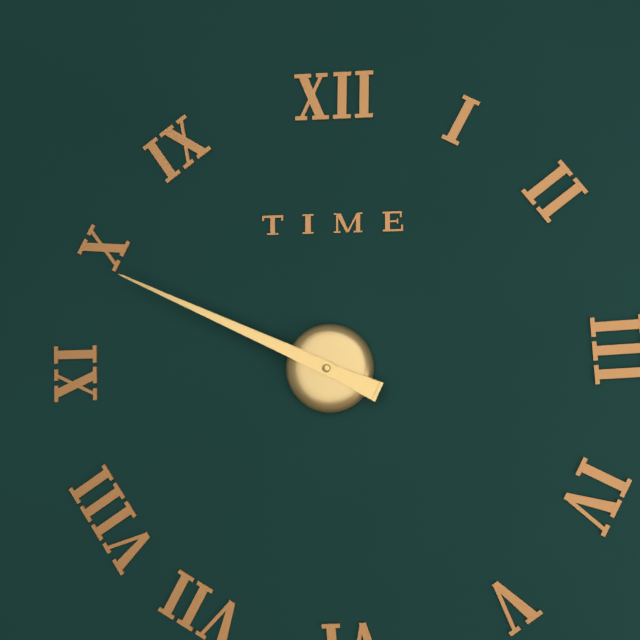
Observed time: 9:49
